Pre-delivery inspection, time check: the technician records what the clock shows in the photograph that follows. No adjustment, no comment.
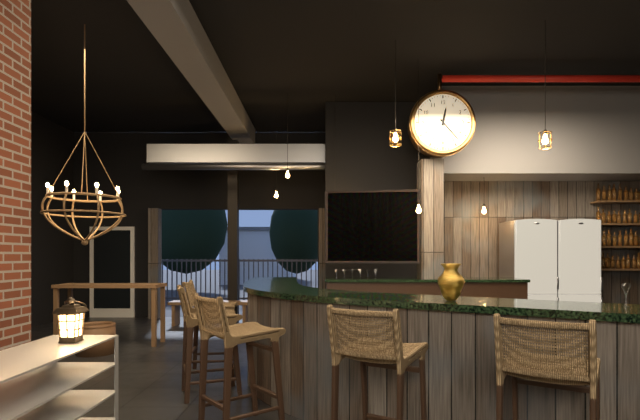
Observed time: 12:23
